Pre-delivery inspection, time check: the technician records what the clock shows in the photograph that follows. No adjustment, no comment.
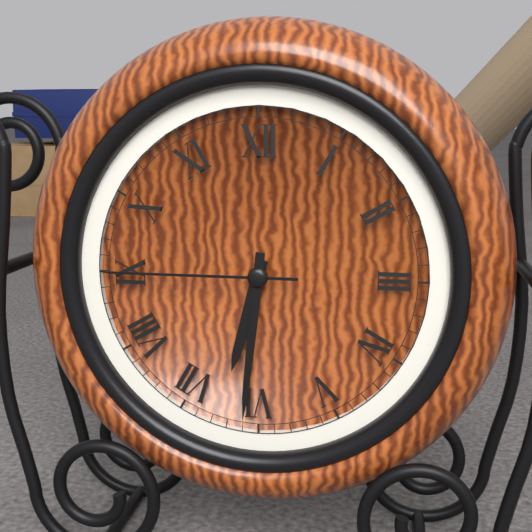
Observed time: 6:31:45
